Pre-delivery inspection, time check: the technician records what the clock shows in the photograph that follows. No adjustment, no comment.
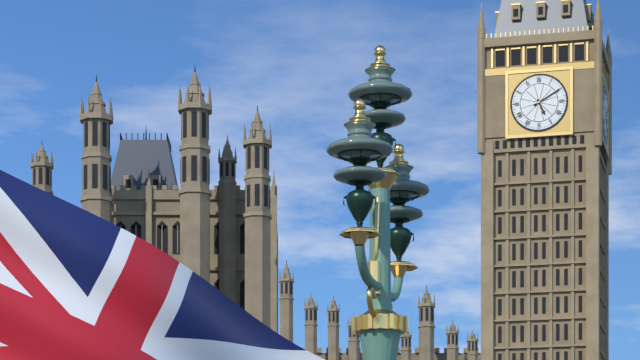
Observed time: 5:10
